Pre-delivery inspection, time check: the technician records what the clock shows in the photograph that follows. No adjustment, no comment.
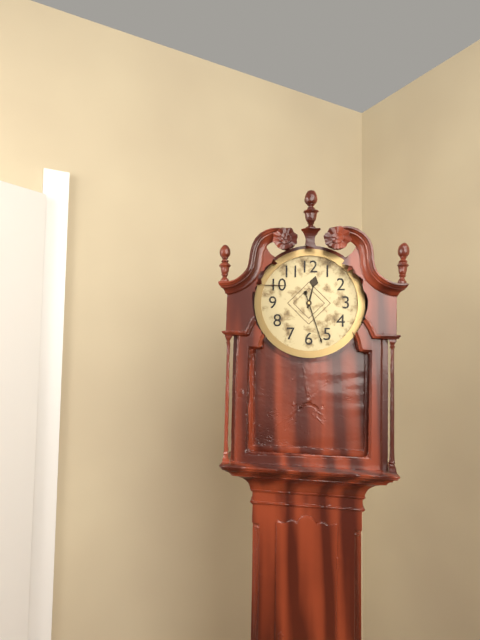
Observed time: 12:27
